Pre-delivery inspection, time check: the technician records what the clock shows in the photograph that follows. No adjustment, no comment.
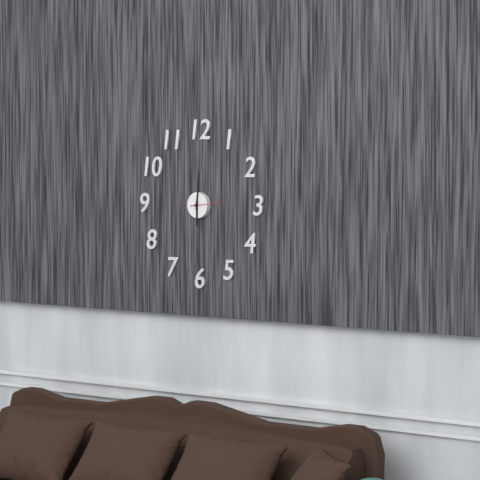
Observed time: 6:01
